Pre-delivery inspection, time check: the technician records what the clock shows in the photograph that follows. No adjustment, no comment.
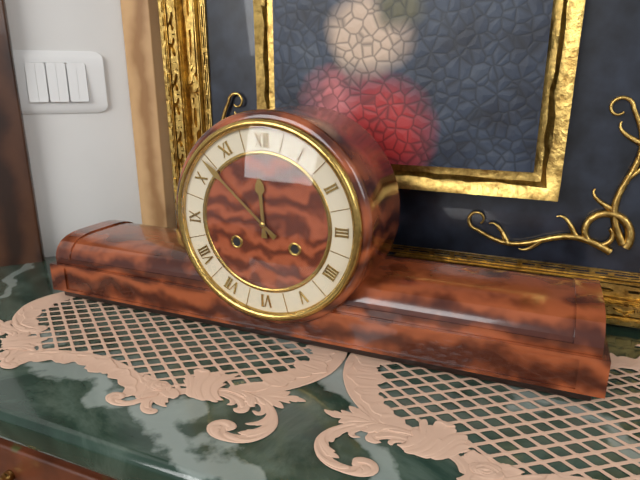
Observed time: 11:52
